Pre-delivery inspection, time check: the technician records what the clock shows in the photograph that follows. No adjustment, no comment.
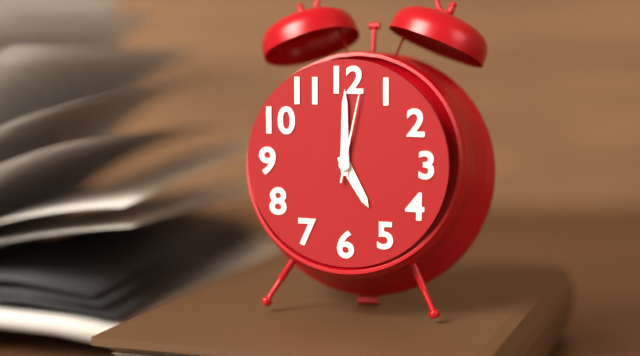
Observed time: 5:00:02
